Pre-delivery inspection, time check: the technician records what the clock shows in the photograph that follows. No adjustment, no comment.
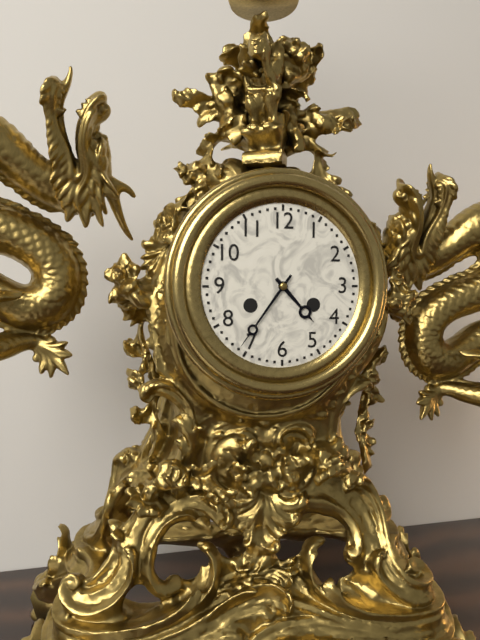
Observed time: 4:36
